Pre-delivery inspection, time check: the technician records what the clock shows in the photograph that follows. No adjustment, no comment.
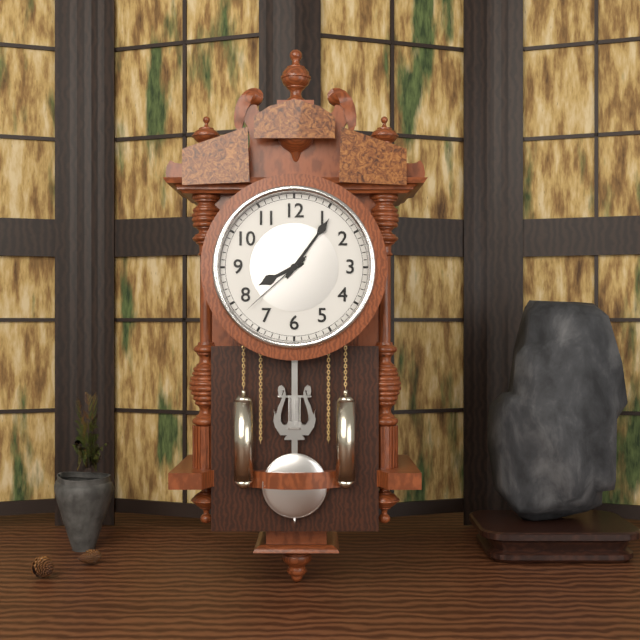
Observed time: 8:06:38
